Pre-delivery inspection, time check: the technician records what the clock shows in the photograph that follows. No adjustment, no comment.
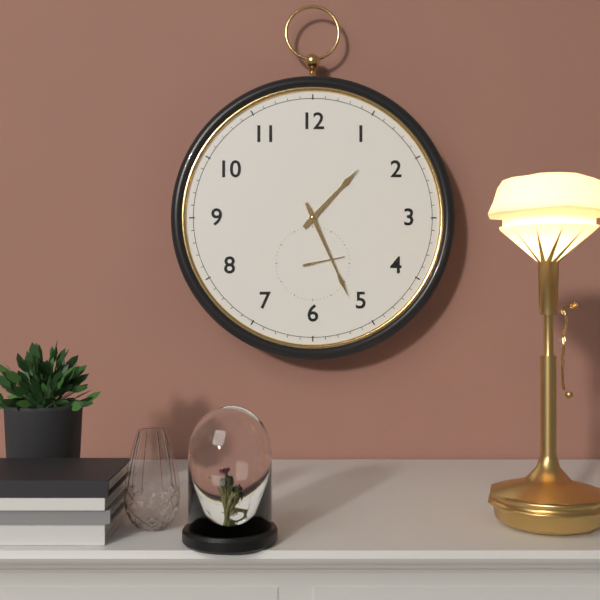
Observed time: 1:26
